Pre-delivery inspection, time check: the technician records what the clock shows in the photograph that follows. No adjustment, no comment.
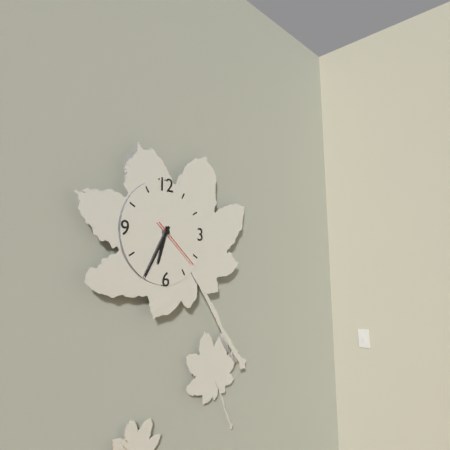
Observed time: 6:35:22
